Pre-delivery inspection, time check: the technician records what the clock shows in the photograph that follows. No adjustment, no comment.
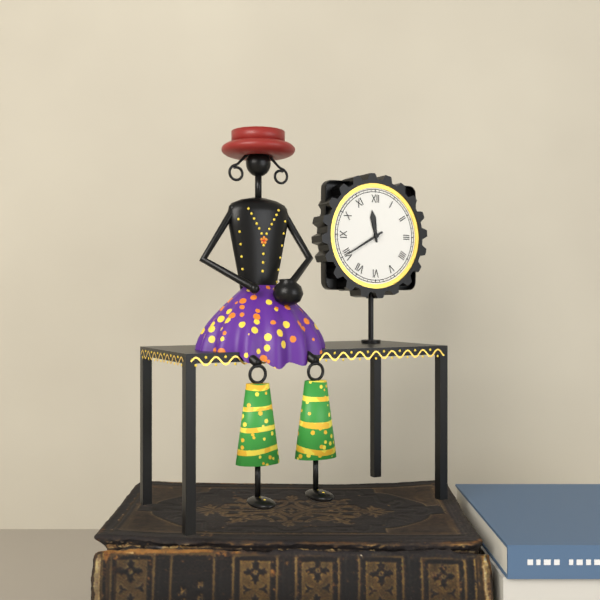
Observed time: 11:40
